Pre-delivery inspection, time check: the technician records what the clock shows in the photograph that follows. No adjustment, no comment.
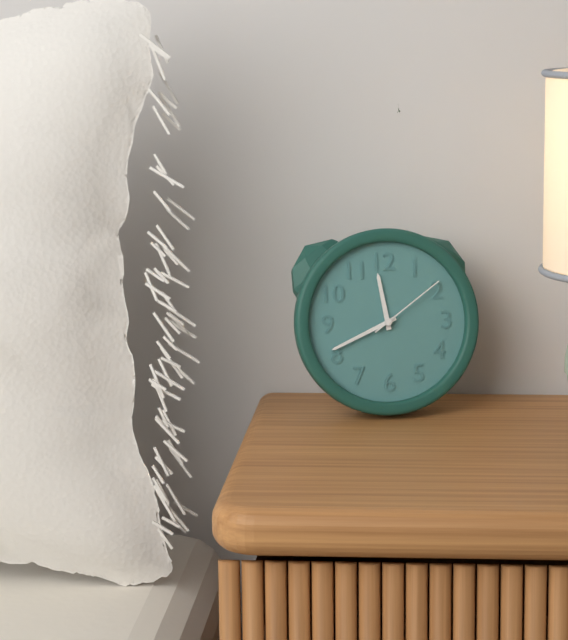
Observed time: 11:41:09
